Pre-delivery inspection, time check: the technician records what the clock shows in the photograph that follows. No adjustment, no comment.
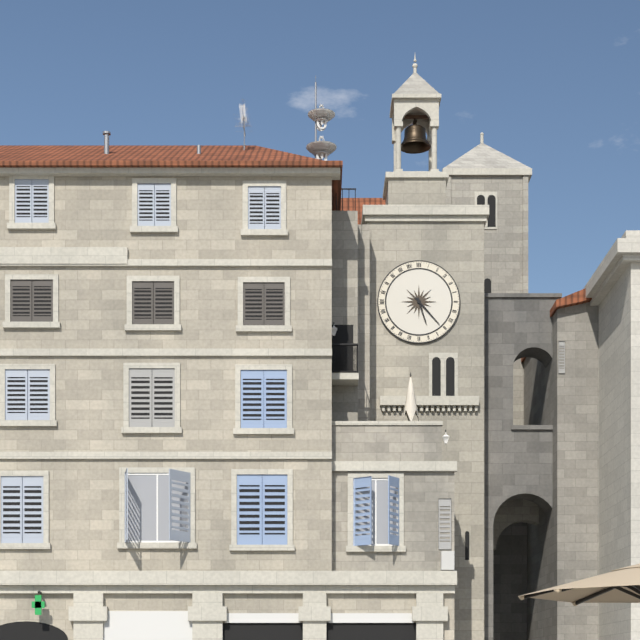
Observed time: 5:23
